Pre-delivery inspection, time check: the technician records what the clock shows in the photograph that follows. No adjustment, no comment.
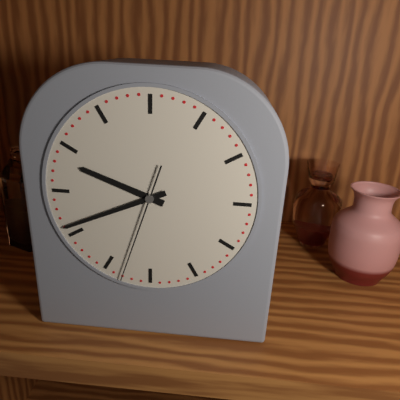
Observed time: 9:41:33
